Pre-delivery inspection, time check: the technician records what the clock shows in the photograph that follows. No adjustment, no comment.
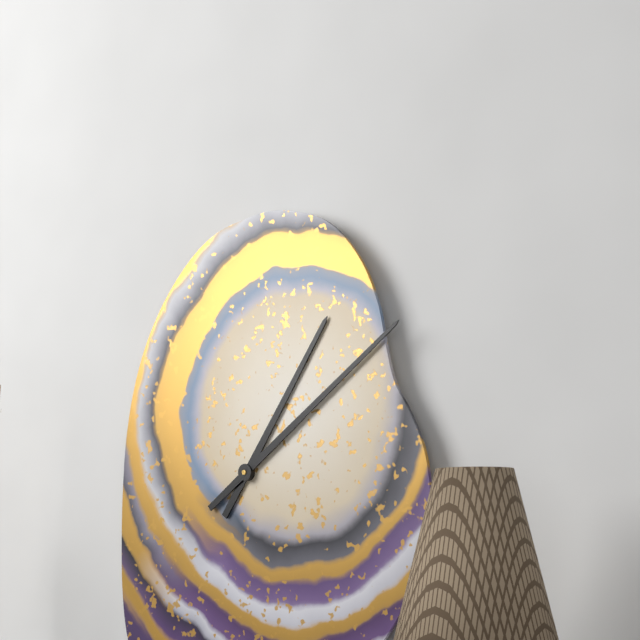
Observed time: 1:09
